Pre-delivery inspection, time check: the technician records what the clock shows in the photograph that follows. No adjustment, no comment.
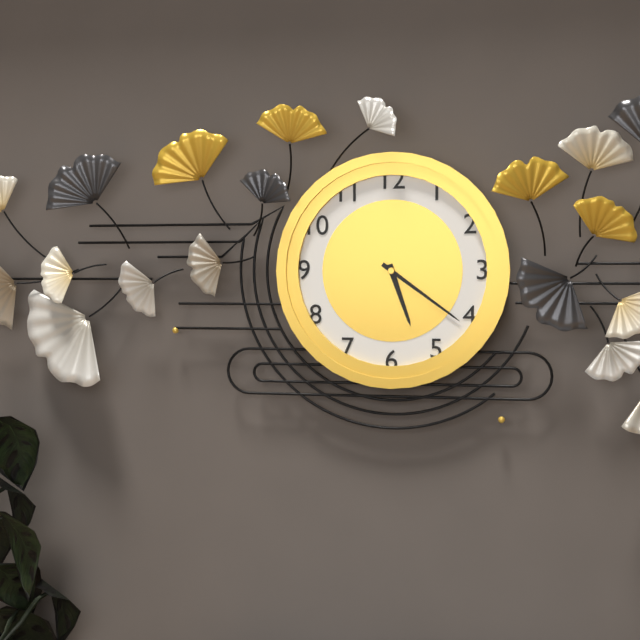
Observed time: 5:21
